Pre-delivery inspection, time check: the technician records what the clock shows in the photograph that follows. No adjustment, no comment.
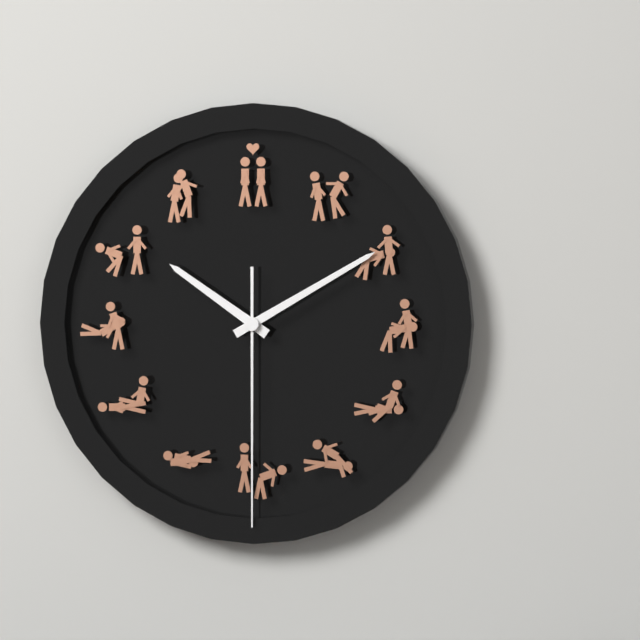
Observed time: 10:10:30
